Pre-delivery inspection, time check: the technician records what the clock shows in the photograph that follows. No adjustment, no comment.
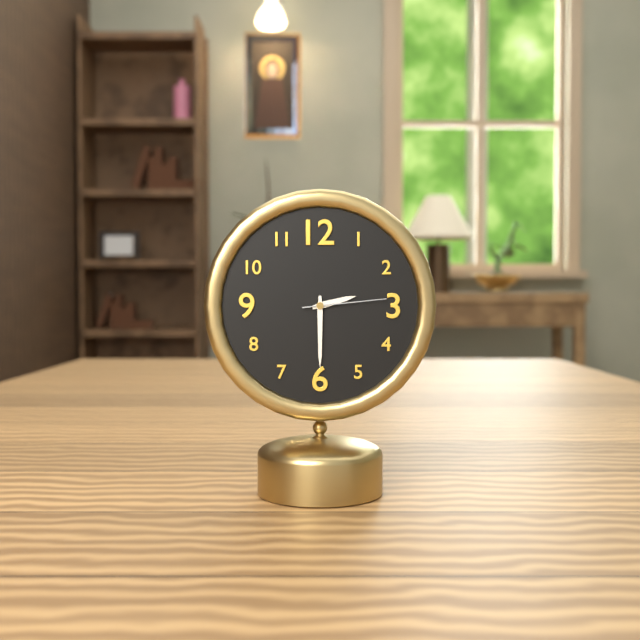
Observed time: 2:30:14
